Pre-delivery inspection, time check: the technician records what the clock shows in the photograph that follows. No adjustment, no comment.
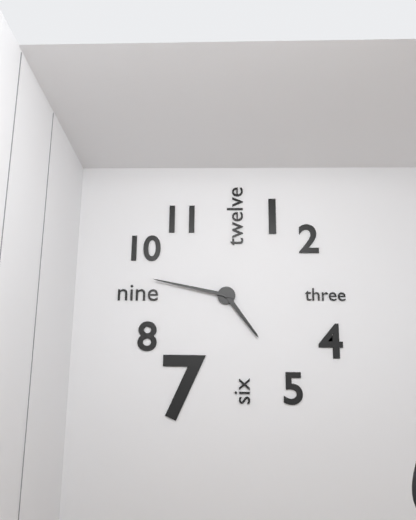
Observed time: 4:47
